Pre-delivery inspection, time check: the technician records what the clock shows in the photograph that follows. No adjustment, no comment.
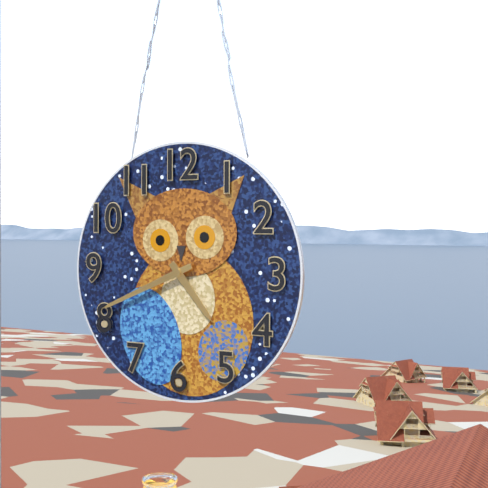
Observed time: 4:41
